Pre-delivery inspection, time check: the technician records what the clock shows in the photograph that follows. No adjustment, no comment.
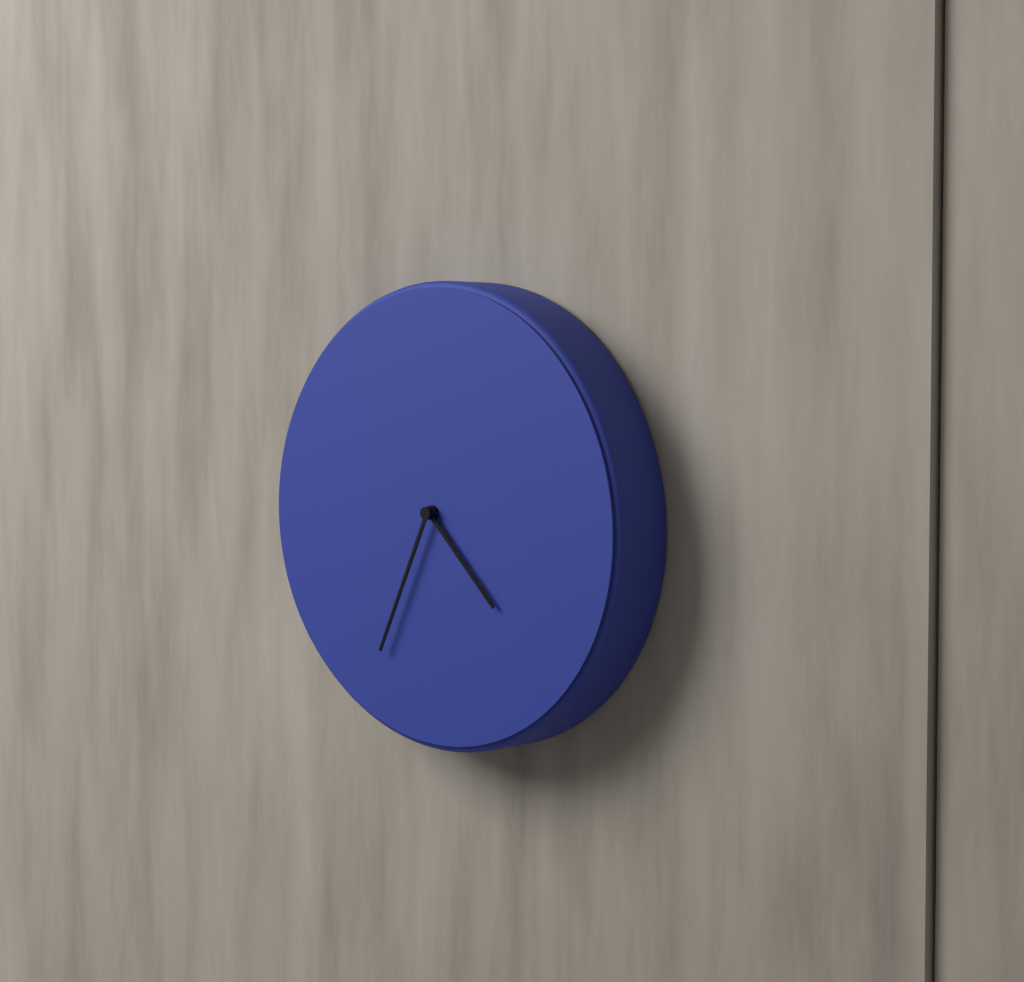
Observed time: 4:34
